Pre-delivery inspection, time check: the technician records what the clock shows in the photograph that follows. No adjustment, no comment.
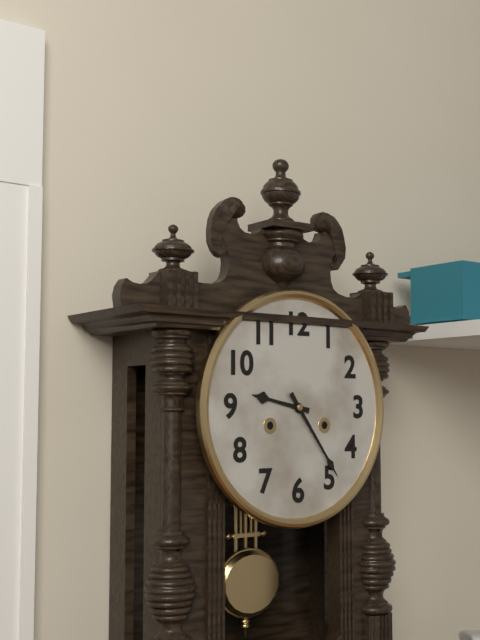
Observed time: 9:24
